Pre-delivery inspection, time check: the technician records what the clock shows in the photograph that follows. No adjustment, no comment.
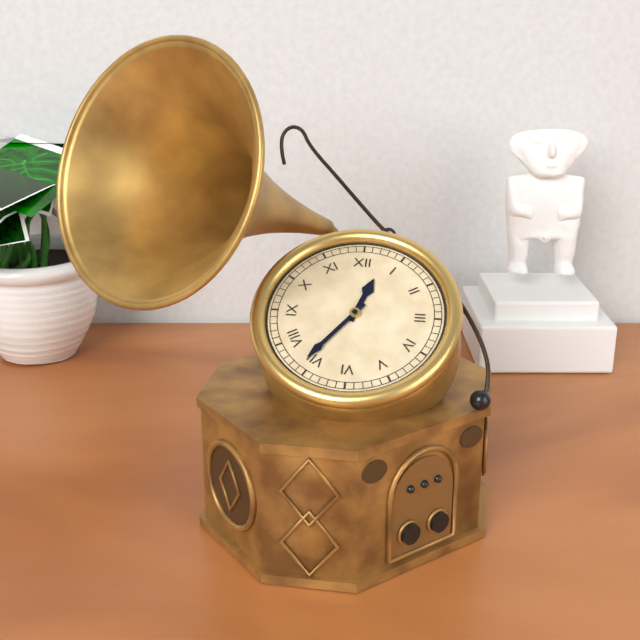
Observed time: 12:36
